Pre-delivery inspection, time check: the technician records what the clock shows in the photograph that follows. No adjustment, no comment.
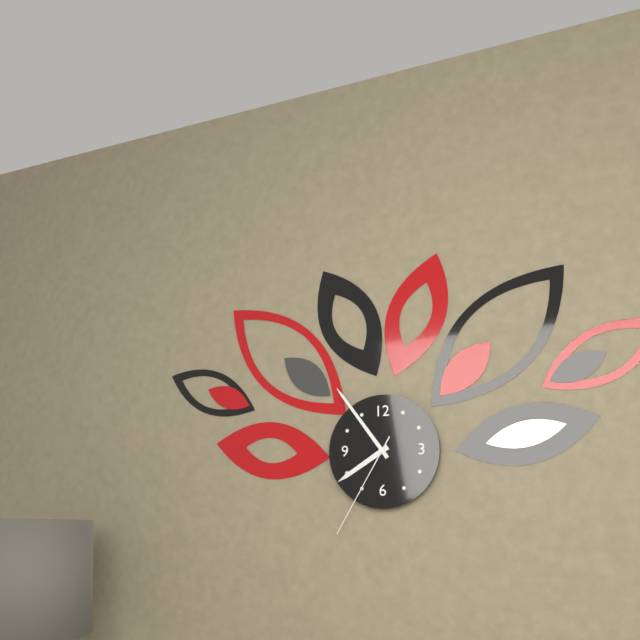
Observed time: 7:54:35
